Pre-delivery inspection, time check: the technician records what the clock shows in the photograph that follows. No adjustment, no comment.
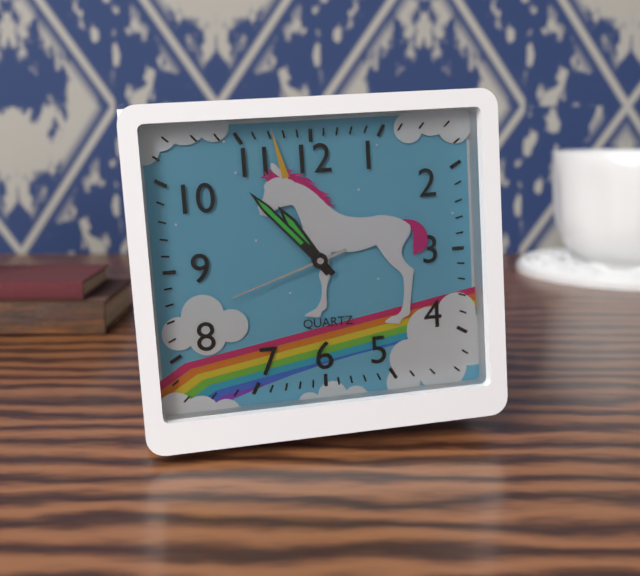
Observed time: 10:53:42
